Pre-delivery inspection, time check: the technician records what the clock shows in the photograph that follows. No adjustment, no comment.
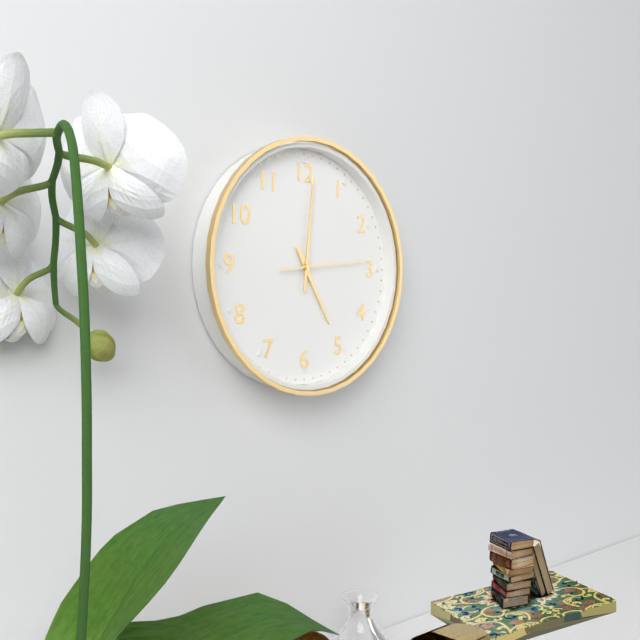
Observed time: 5:01:14
